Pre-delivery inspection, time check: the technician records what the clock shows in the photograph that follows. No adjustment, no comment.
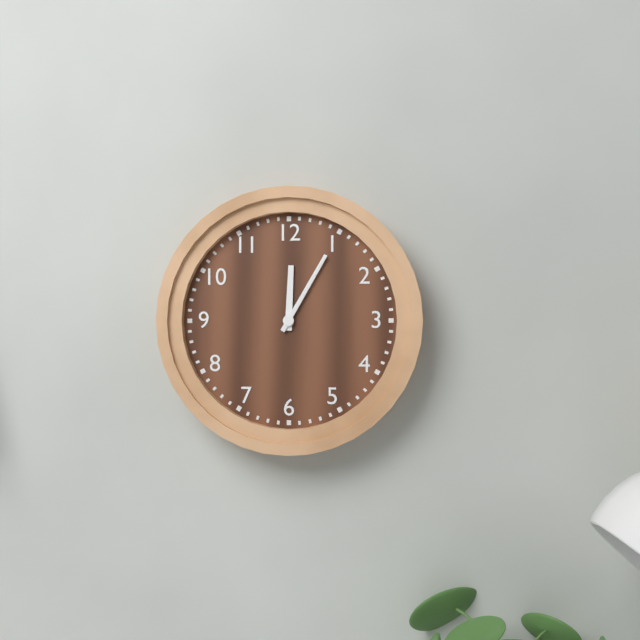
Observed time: 12:05
